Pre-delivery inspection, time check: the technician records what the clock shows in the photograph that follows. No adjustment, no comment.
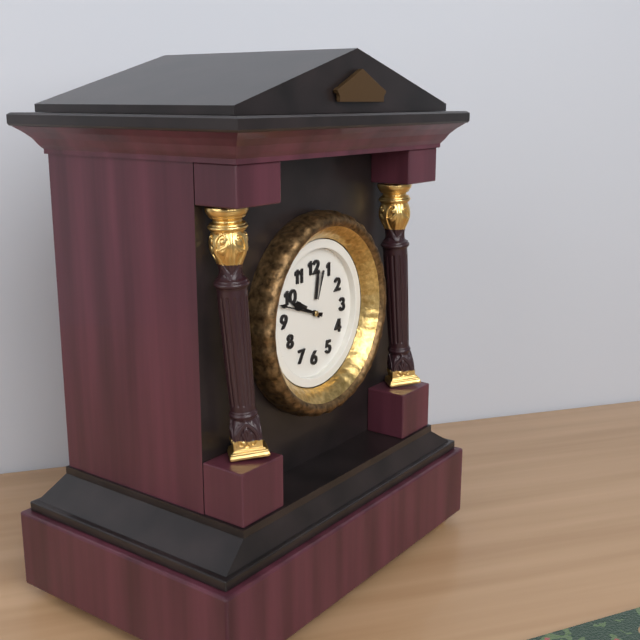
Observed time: 9:48
